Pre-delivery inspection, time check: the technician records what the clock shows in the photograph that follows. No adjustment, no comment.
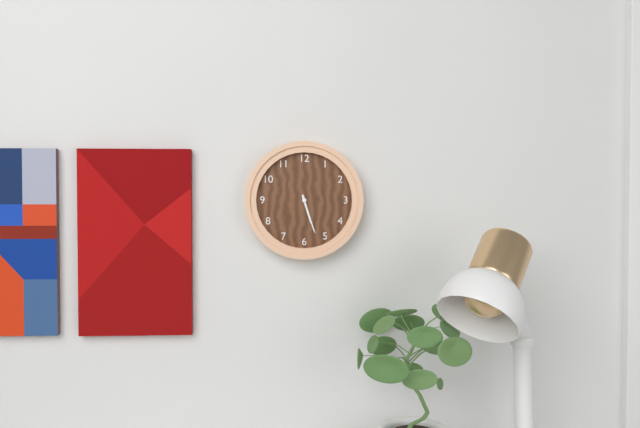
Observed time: 5:27
